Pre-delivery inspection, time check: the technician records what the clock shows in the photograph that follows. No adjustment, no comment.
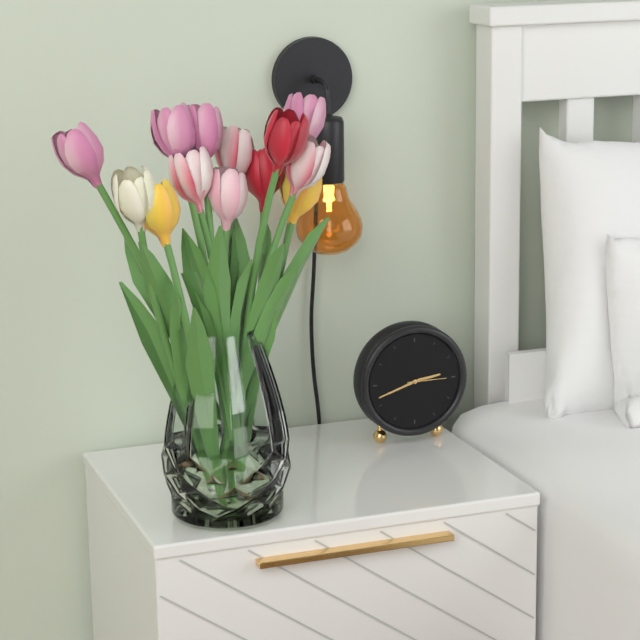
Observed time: 2:42
